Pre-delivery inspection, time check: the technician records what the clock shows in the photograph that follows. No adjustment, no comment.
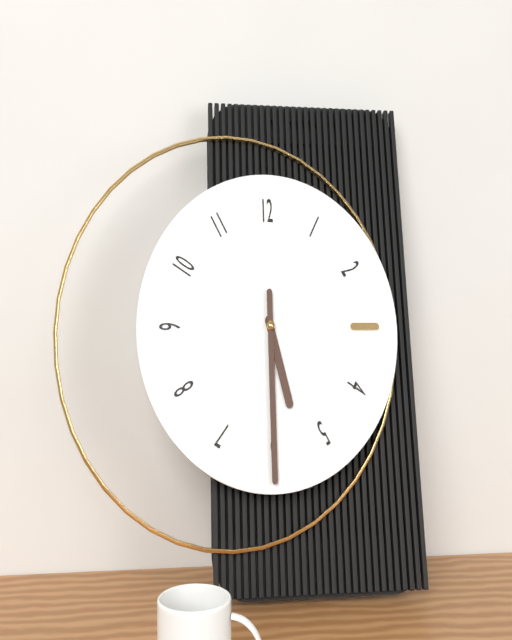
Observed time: 5:30
